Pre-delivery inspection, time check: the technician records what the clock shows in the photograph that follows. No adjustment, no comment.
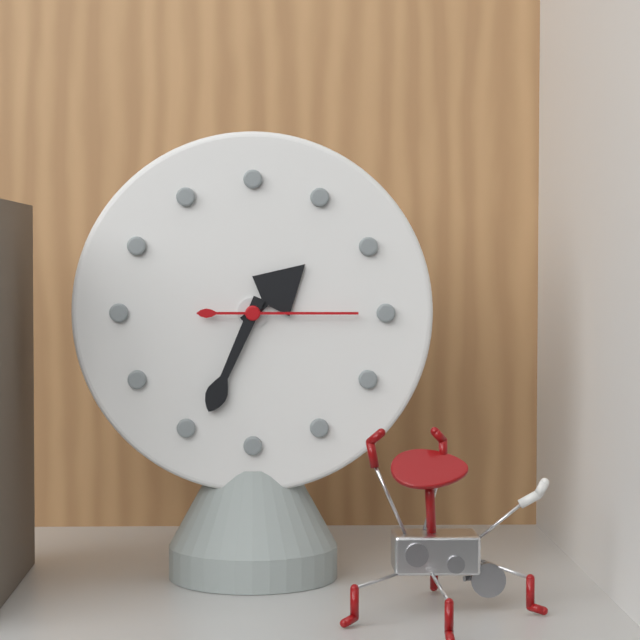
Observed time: 1:34:15
